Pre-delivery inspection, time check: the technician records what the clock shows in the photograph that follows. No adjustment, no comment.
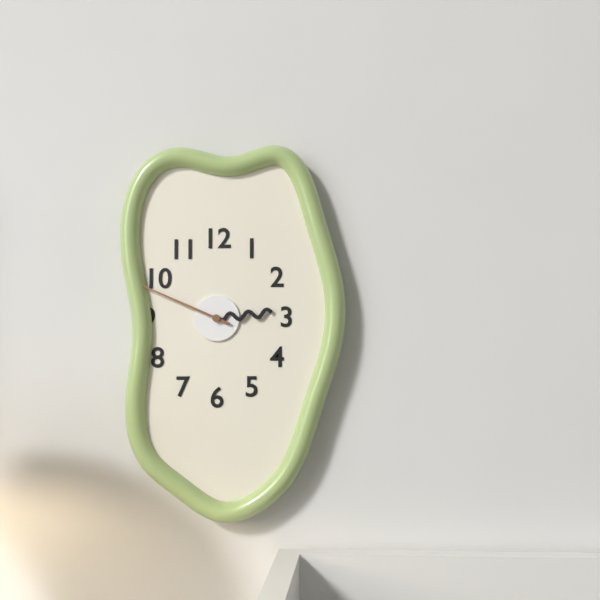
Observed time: 2:49
